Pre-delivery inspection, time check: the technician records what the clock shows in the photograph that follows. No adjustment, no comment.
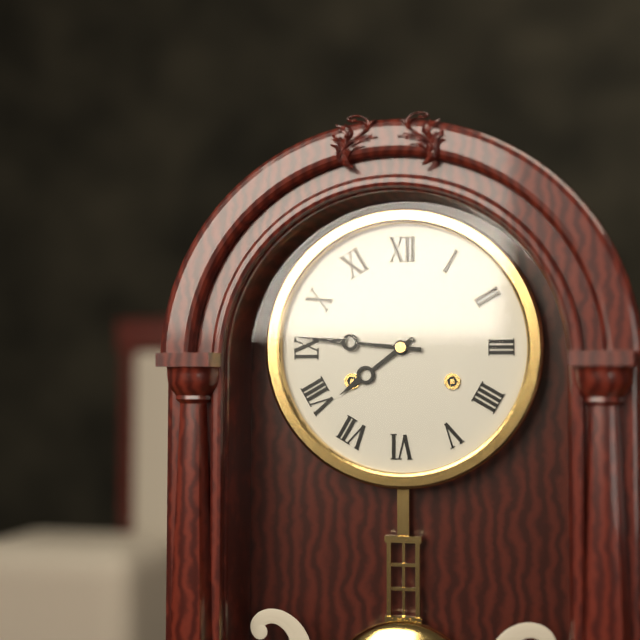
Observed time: 7:46
